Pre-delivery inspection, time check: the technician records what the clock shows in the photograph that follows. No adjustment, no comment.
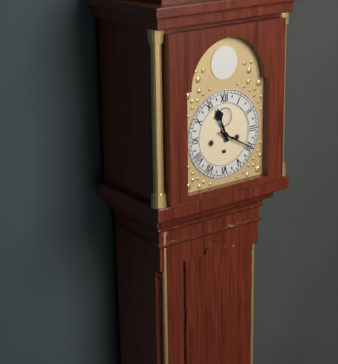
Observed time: 11:20
